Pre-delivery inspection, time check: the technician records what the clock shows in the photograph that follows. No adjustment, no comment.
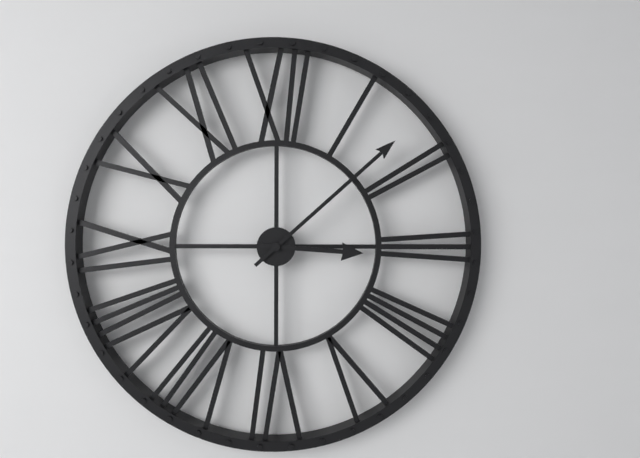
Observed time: 3:08
